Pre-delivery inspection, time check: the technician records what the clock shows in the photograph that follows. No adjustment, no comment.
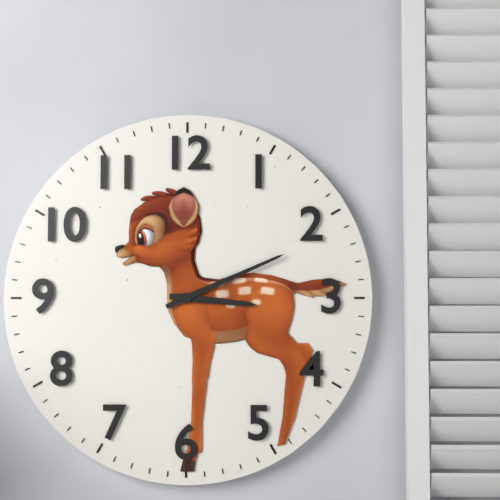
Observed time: 3:11
